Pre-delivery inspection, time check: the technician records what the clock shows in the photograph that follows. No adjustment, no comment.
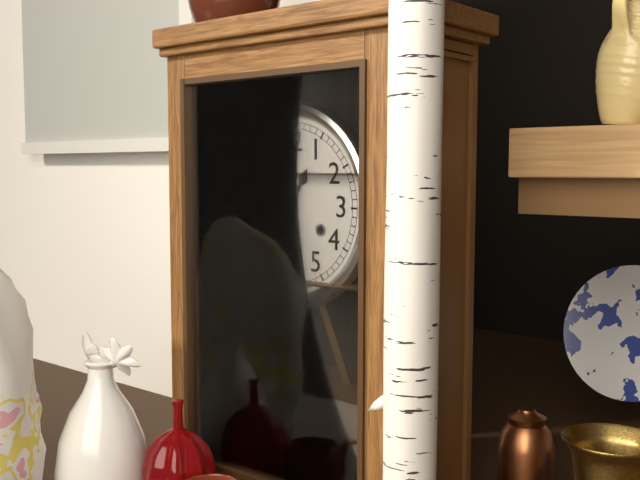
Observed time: 1:00
